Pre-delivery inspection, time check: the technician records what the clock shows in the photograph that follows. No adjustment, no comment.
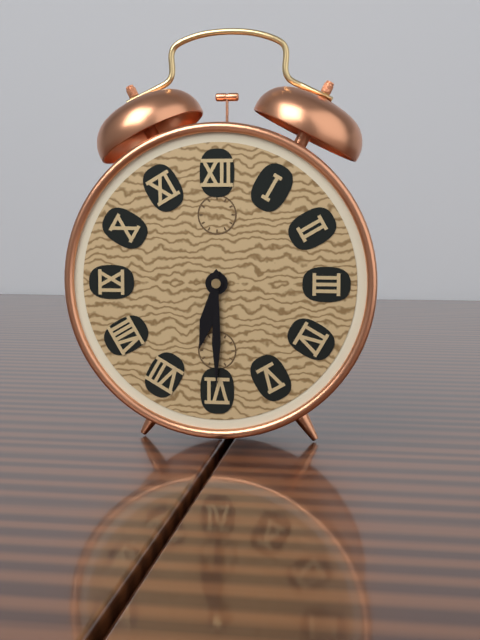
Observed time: 6:30
